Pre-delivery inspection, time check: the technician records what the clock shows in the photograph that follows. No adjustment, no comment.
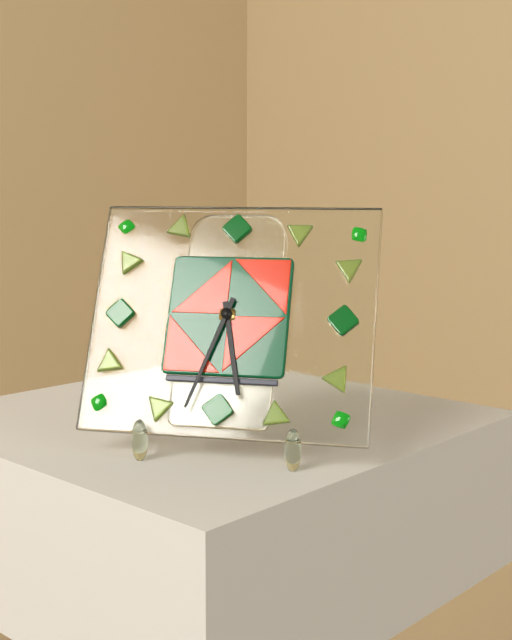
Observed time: 5:33
